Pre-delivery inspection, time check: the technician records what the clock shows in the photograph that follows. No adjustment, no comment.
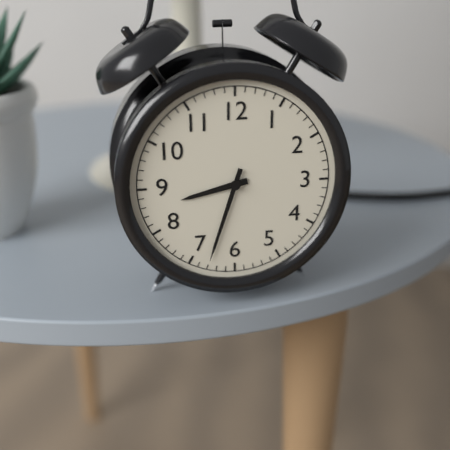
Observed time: 8:33
